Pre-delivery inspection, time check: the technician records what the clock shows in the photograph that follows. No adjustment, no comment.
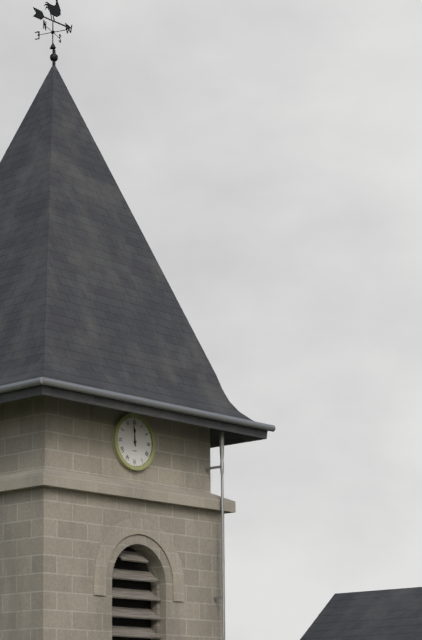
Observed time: 11:59
